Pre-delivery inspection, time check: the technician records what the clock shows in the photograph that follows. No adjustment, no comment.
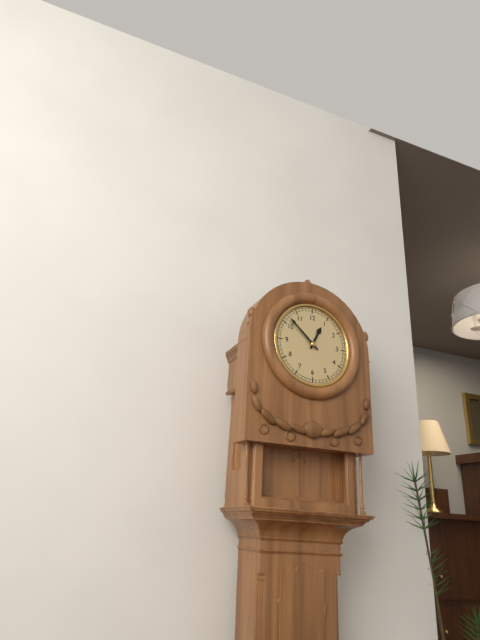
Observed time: 12:52
